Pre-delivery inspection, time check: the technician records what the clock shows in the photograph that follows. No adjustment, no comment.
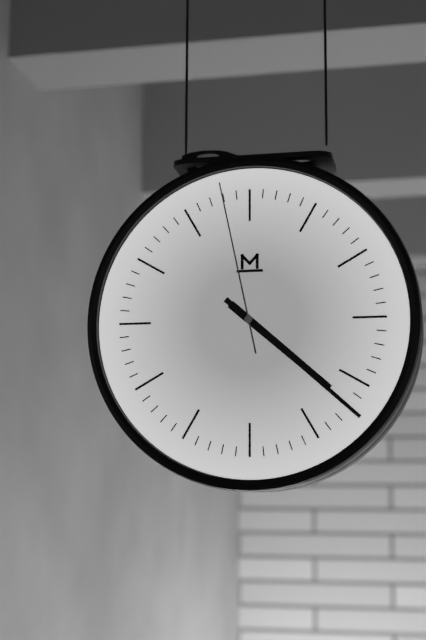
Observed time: 4:22:58
